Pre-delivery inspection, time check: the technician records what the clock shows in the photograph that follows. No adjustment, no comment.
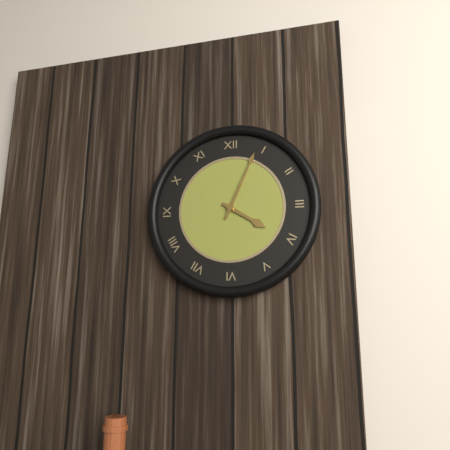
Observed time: 4:04
